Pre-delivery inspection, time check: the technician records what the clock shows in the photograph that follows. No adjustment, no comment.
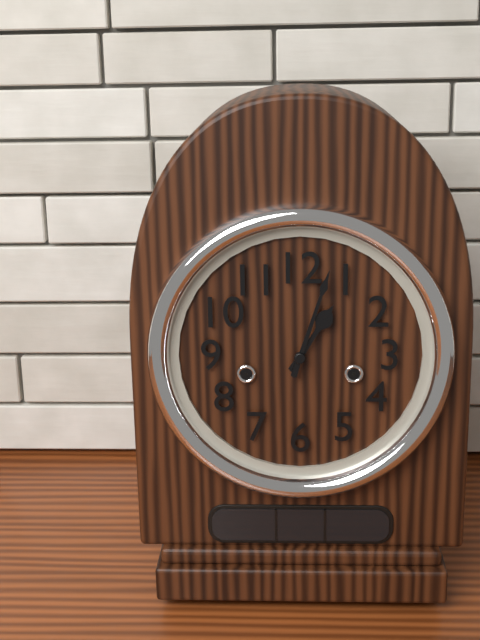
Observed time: 1:03
